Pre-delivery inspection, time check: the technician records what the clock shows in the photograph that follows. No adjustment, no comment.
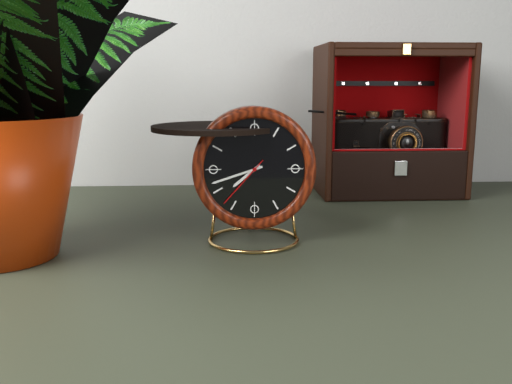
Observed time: 7:42:37
